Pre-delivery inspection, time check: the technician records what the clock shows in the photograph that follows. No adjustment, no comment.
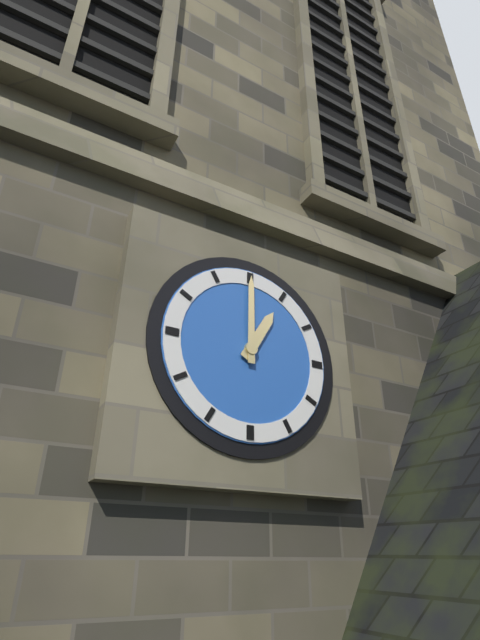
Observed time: 1:00
